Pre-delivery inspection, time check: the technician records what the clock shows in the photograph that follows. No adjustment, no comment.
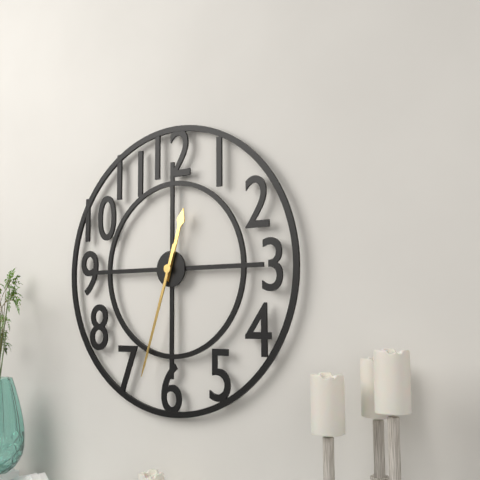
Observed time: 12:33
